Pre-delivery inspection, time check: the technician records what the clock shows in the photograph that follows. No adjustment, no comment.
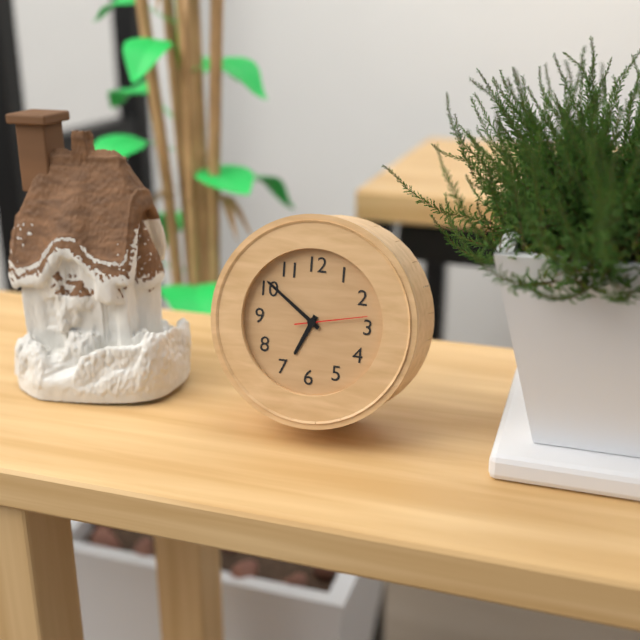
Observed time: 6:51:13
